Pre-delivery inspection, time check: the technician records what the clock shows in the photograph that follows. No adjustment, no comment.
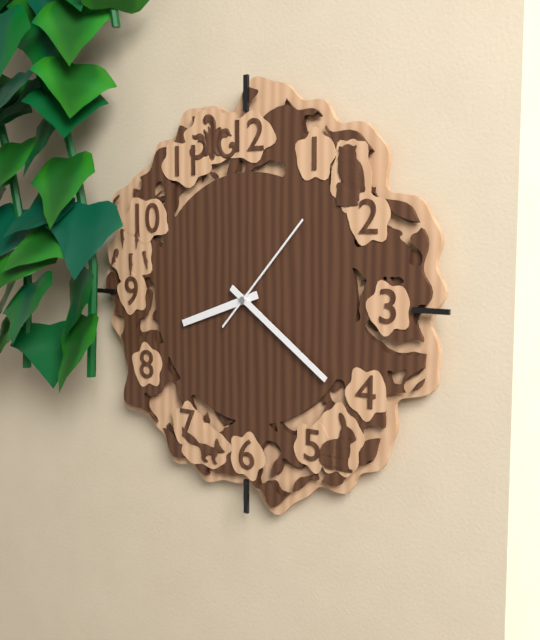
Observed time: 8:21:07
